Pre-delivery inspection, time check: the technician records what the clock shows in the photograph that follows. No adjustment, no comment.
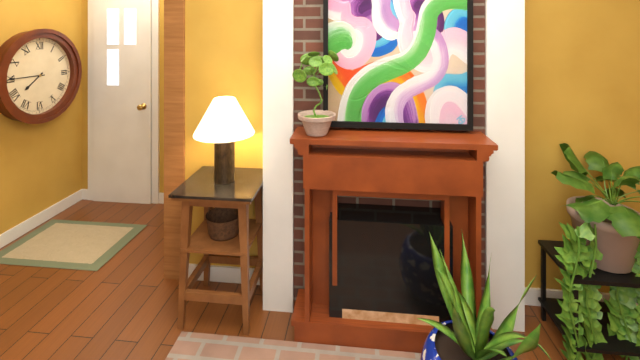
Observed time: 7:45
